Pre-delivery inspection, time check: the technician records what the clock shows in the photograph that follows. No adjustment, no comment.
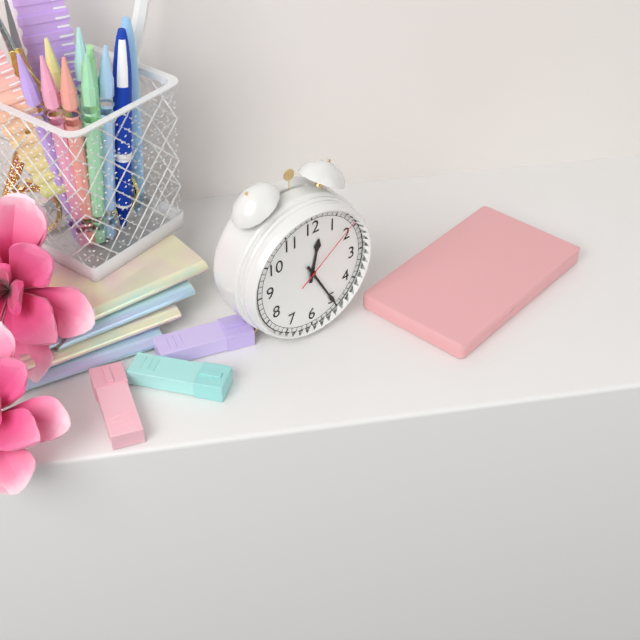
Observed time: 12:25:09
